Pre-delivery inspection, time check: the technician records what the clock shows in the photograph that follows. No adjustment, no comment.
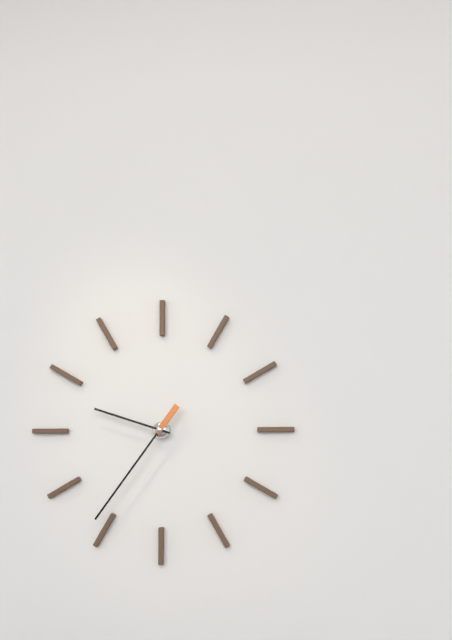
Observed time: 9:36
